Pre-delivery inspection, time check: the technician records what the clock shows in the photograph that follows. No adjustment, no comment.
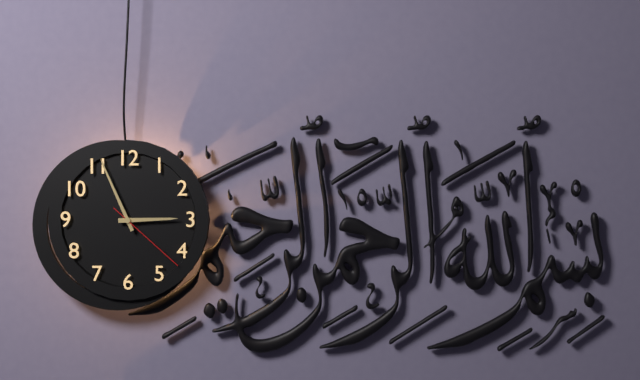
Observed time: 2:56:22
